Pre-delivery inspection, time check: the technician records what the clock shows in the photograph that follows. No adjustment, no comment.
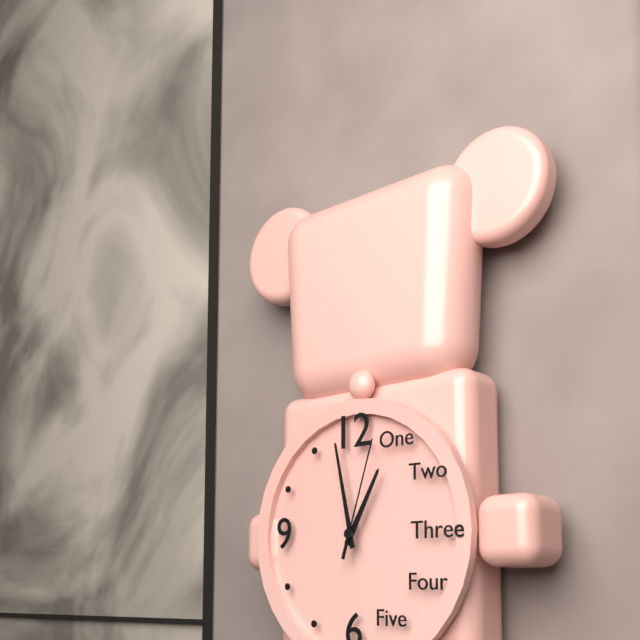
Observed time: 12:58:03
